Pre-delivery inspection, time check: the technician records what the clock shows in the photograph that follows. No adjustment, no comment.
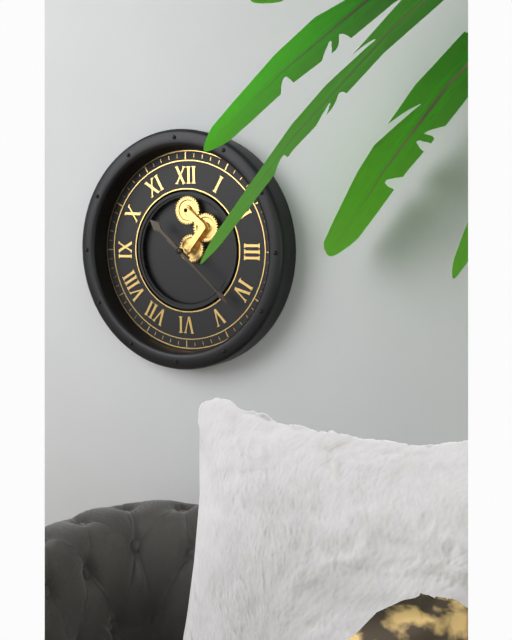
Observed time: 10:22
